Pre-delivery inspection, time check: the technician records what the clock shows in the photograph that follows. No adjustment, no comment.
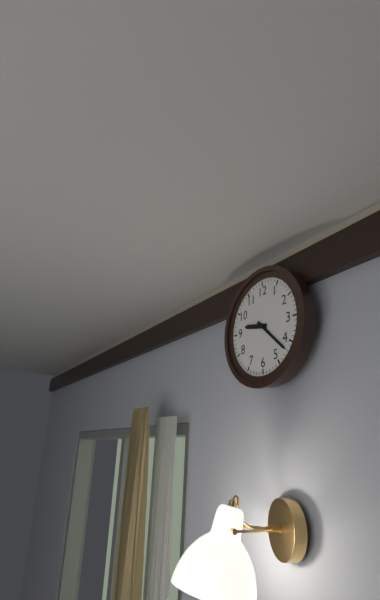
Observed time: 9:22
